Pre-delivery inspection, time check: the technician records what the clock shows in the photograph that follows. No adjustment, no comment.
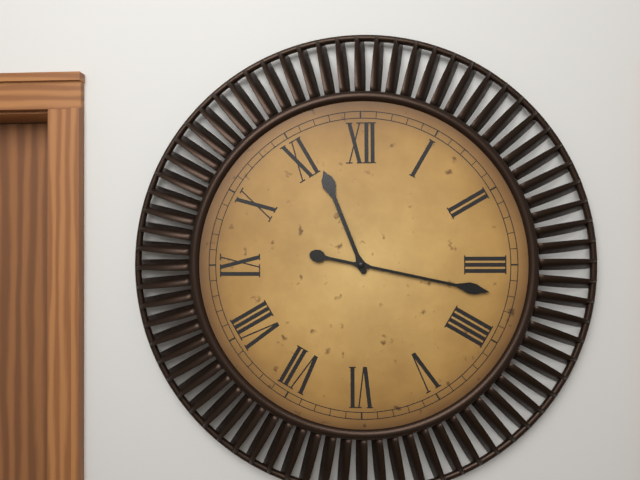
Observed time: 11:17
